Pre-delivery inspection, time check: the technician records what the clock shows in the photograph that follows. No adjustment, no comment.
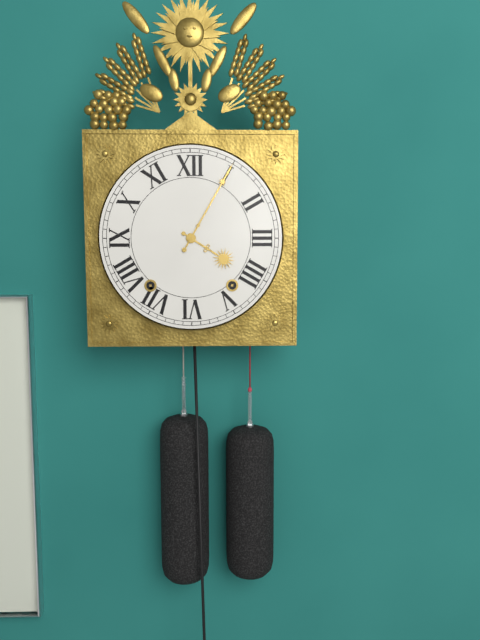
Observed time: 4:05
